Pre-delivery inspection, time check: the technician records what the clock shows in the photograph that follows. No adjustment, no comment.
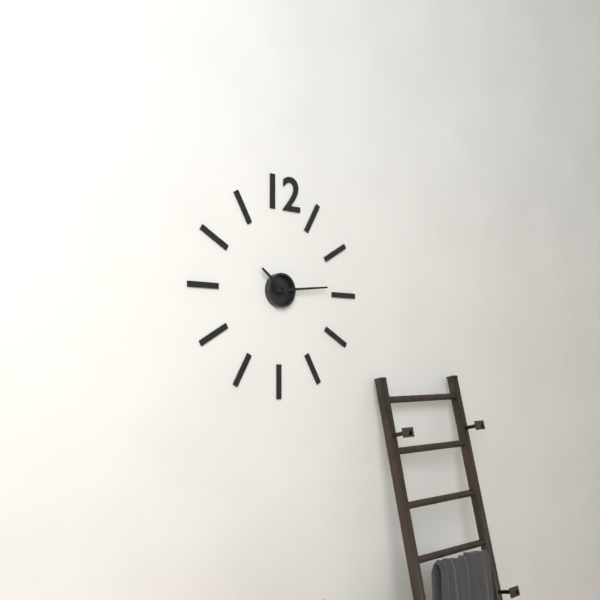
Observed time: 10:14
